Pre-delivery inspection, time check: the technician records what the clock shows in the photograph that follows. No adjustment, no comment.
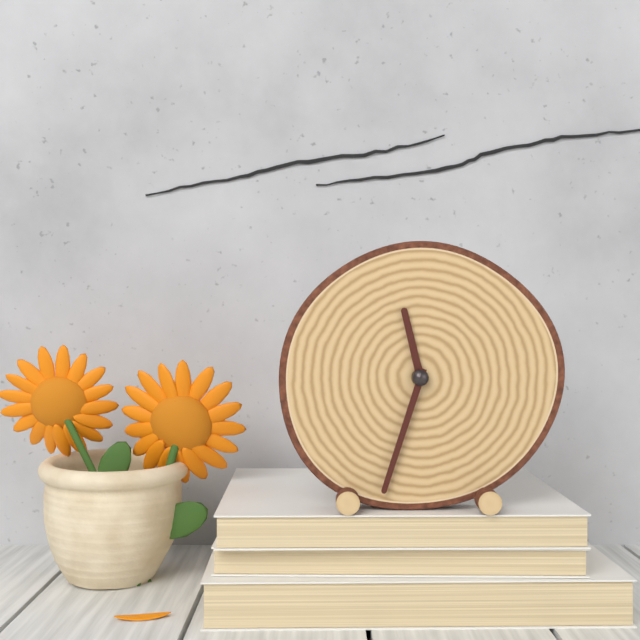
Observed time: 11:33
